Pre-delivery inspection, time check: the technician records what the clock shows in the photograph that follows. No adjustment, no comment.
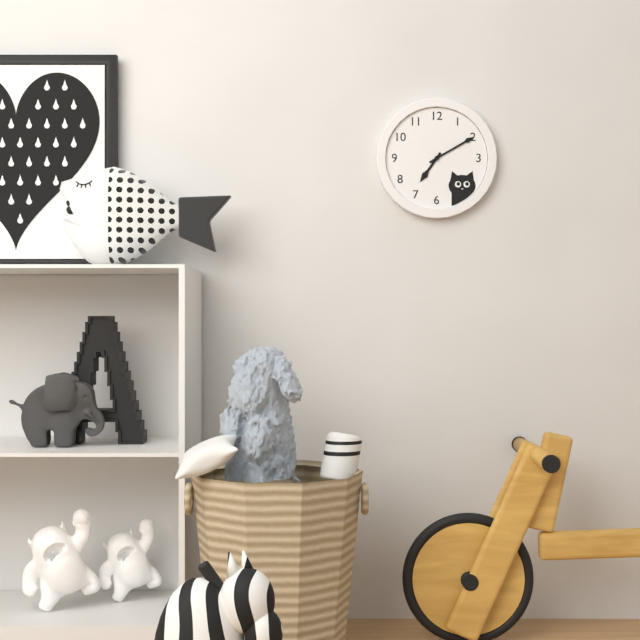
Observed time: 7:10
